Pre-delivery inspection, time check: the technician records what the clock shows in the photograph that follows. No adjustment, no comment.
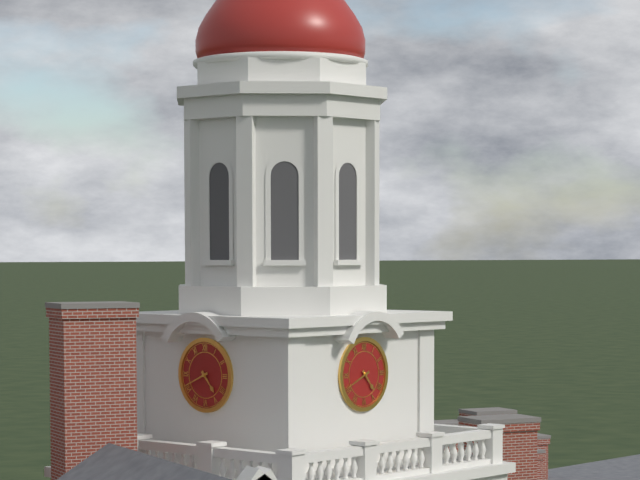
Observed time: 4:41
